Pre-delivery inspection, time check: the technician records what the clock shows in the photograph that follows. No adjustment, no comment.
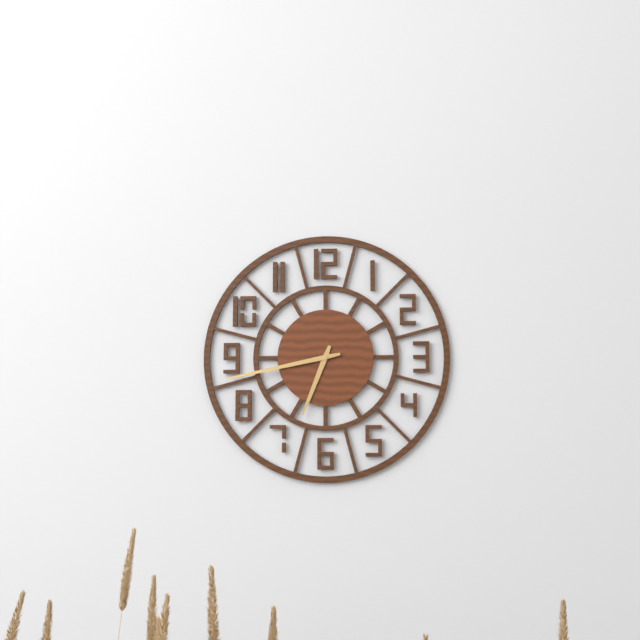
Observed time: 6:43
